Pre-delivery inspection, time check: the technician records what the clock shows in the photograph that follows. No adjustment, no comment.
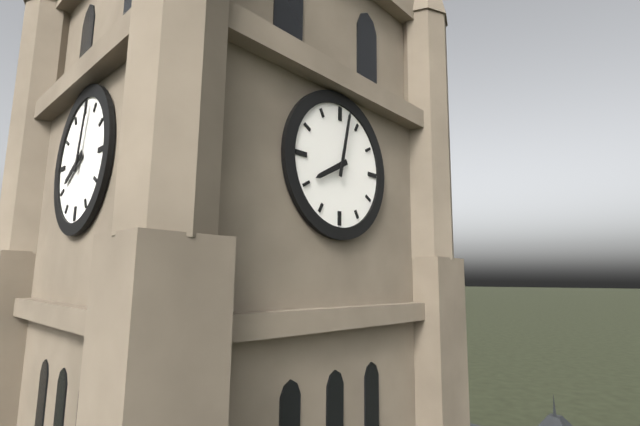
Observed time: 8:02
